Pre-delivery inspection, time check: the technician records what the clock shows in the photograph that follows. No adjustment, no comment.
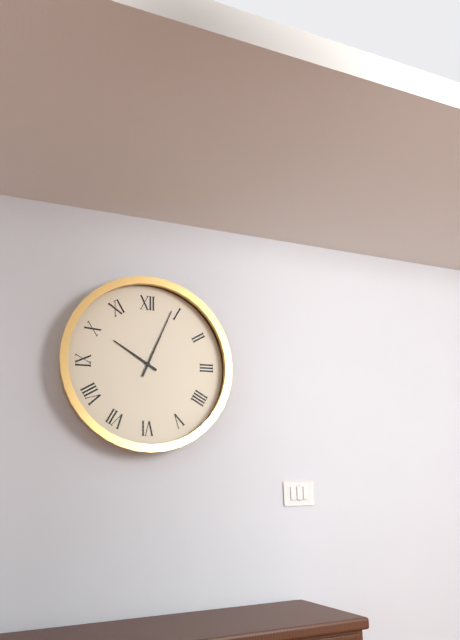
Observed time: 10:04
